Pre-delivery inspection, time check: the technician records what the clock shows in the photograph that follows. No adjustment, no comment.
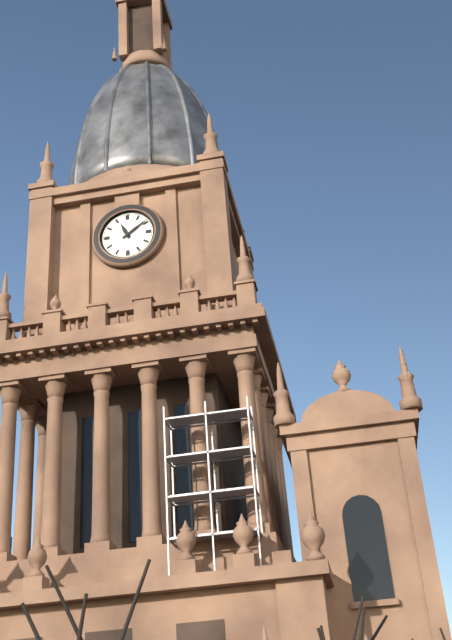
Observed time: 11:09
